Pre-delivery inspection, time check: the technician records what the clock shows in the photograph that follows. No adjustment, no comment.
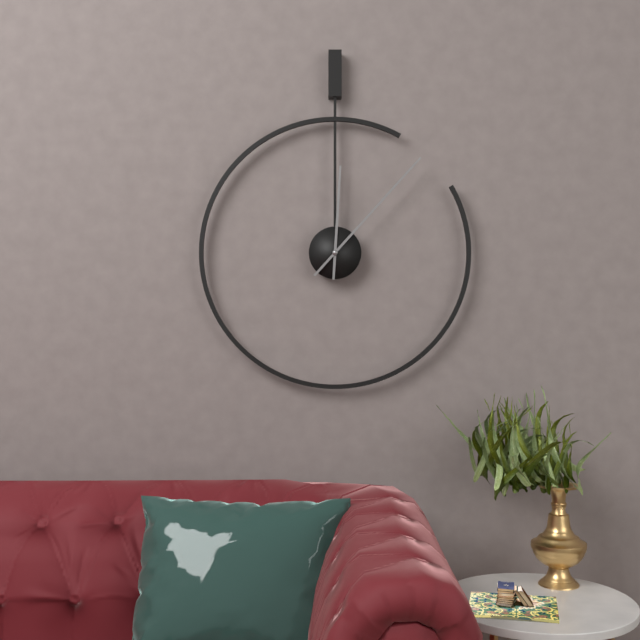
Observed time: 12:07
